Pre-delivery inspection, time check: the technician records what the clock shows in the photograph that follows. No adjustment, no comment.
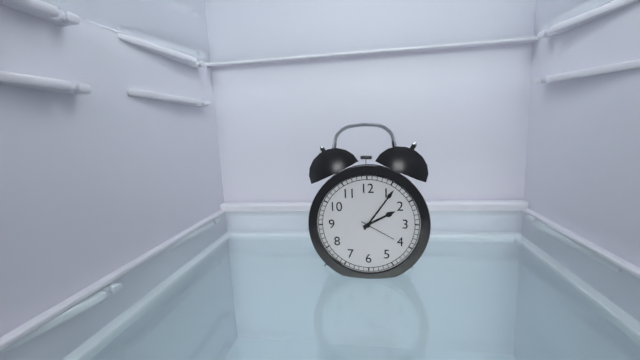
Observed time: 2:06
